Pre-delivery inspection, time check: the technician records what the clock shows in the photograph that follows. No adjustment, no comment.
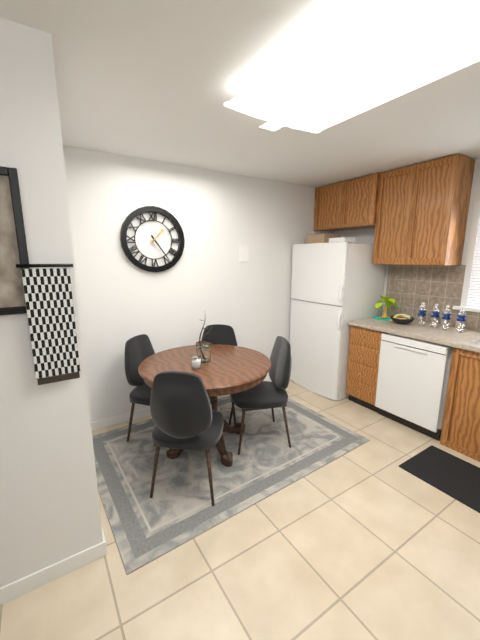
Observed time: 1:24
